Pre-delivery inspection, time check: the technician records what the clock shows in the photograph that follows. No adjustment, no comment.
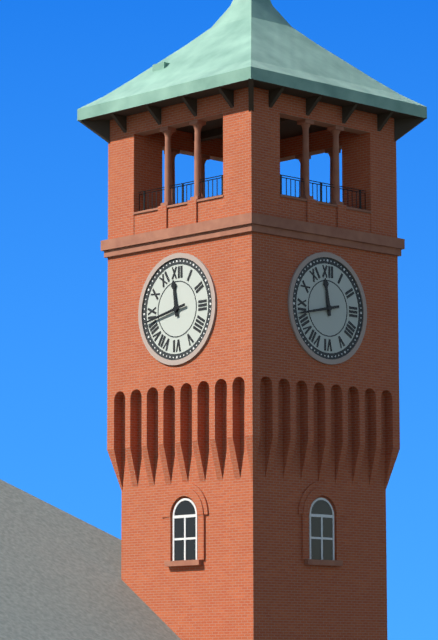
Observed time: 11:43
